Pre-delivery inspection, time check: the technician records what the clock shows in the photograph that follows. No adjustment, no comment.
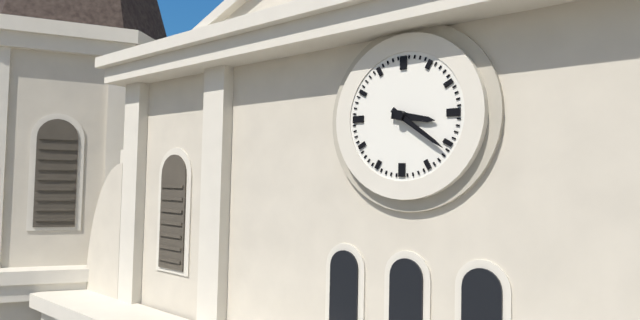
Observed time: 3:21
